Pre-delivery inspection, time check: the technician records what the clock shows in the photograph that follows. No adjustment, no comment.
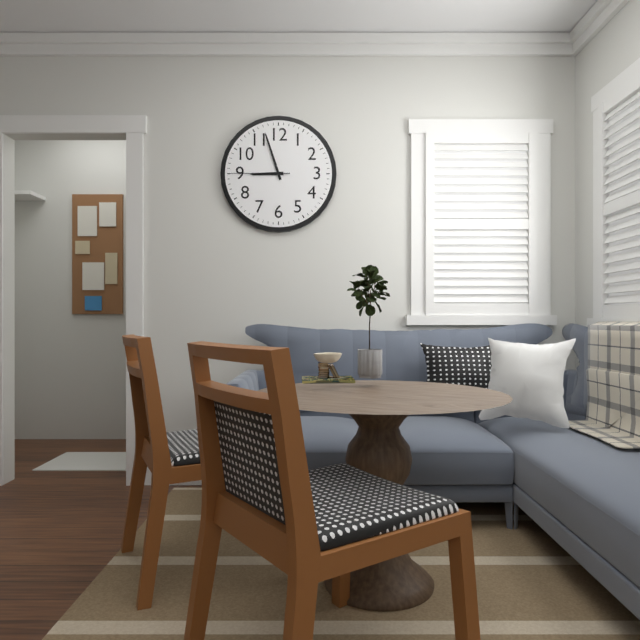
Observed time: 8:57:45
